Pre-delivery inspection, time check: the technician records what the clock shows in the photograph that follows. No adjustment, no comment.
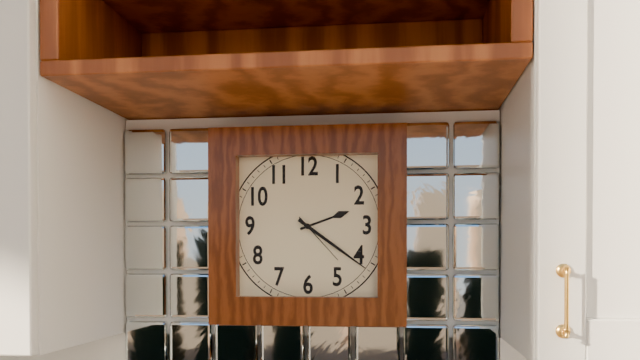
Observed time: 2:21:23
